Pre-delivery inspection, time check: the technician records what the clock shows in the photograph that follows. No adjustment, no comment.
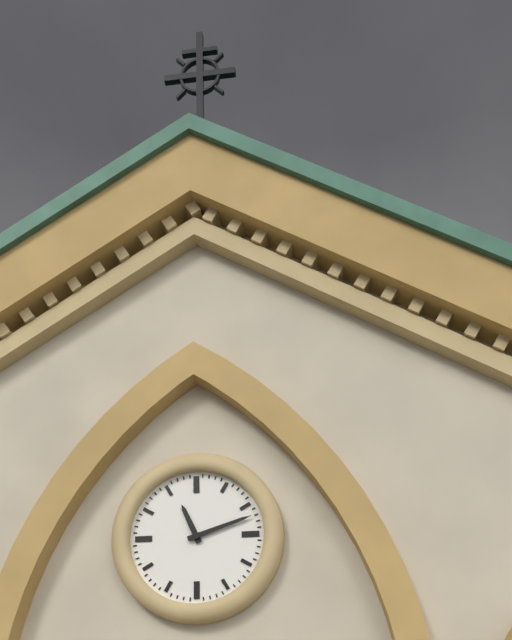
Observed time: 11:12
